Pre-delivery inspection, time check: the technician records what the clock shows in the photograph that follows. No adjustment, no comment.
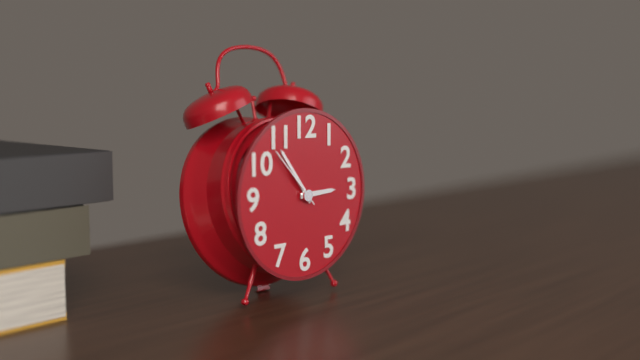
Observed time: 2:54:53
